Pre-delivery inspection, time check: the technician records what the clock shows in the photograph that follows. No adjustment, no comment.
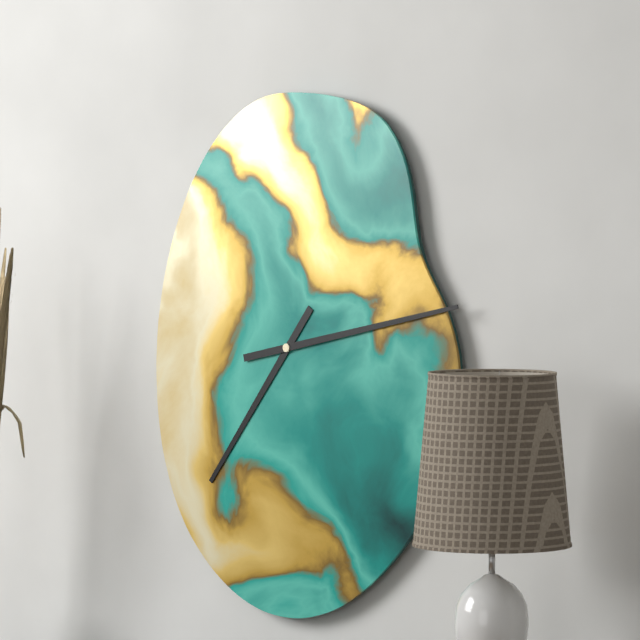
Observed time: 7:13
